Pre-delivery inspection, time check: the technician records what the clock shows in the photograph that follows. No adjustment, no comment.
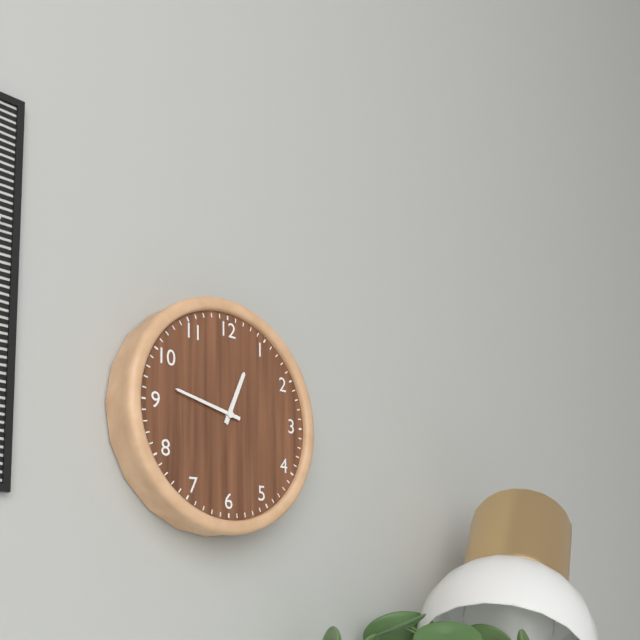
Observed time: 12:47
